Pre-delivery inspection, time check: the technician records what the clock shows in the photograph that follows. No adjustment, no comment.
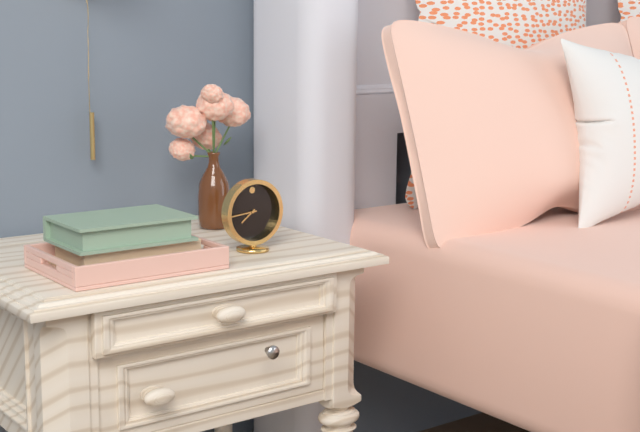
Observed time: 7:44
